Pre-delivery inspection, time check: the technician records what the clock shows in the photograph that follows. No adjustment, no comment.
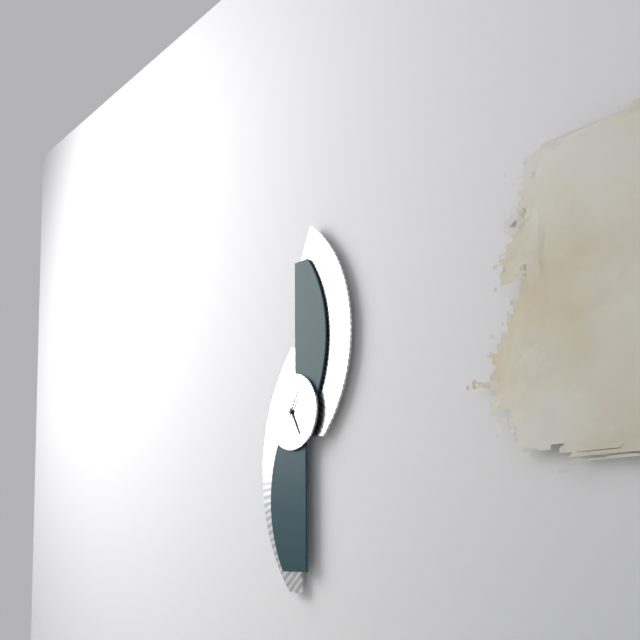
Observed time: 5:05
